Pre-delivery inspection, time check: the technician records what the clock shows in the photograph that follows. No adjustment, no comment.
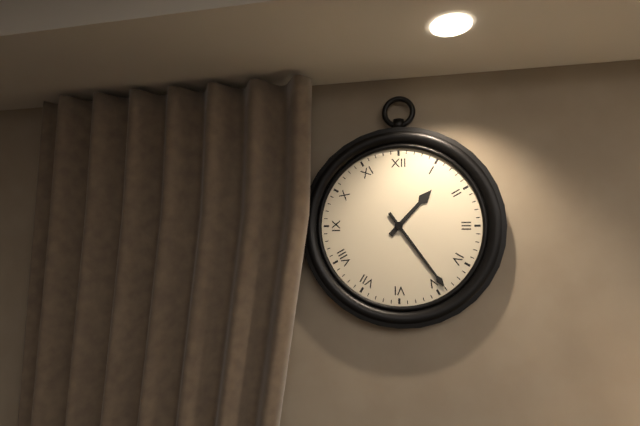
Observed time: 1:24
